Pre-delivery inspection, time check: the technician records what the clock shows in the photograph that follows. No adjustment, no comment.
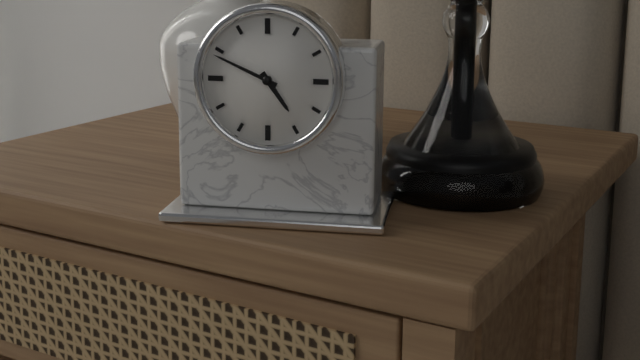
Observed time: 4:49
